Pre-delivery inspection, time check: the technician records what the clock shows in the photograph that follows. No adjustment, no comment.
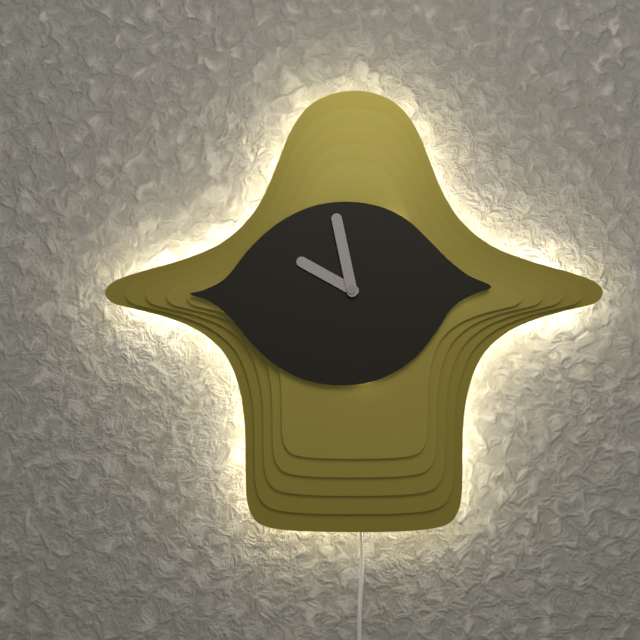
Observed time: 9:58
